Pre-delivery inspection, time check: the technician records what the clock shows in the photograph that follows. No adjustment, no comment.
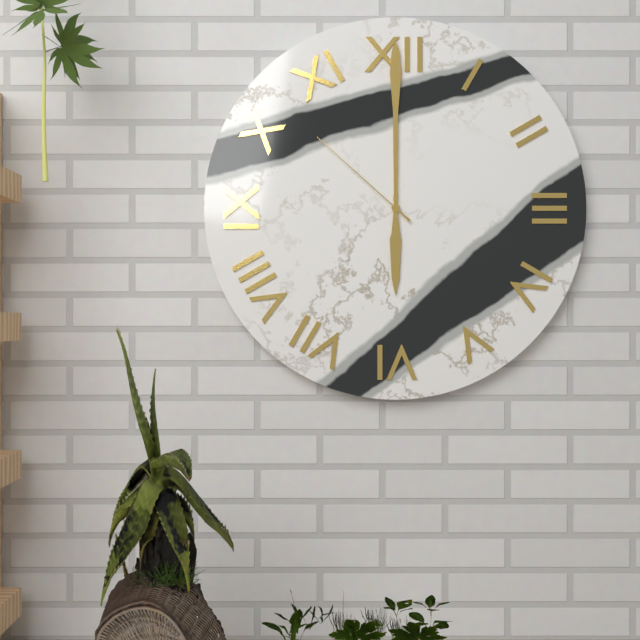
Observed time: 6:00:52
